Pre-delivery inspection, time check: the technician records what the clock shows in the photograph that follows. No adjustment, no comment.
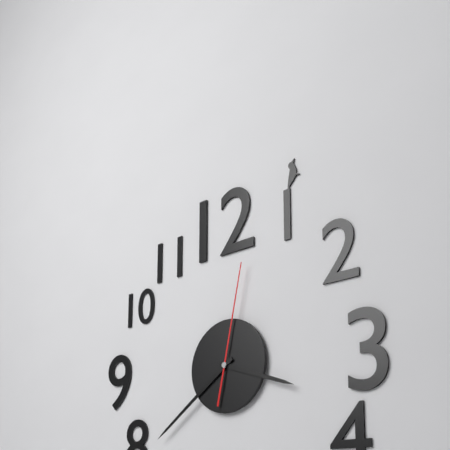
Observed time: 3:39:02
